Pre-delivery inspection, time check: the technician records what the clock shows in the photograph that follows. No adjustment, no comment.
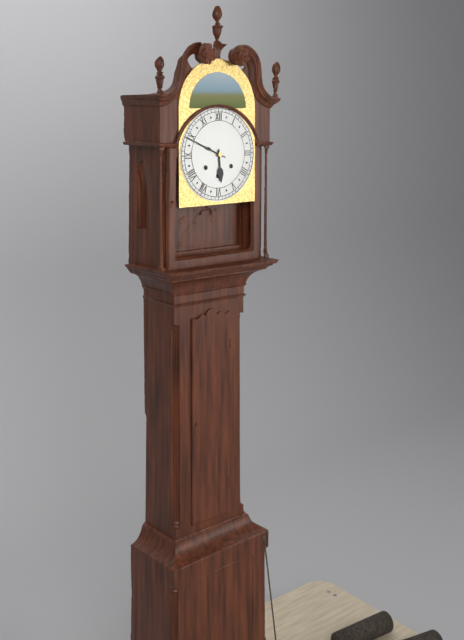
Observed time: 5:49
